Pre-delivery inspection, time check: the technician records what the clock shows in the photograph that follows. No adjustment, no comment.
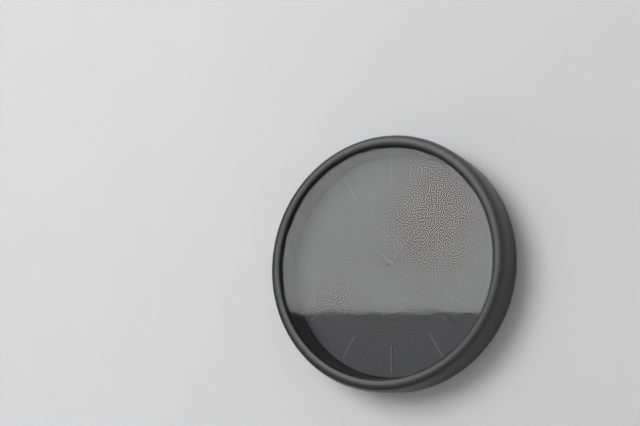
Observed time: 2:22:07
